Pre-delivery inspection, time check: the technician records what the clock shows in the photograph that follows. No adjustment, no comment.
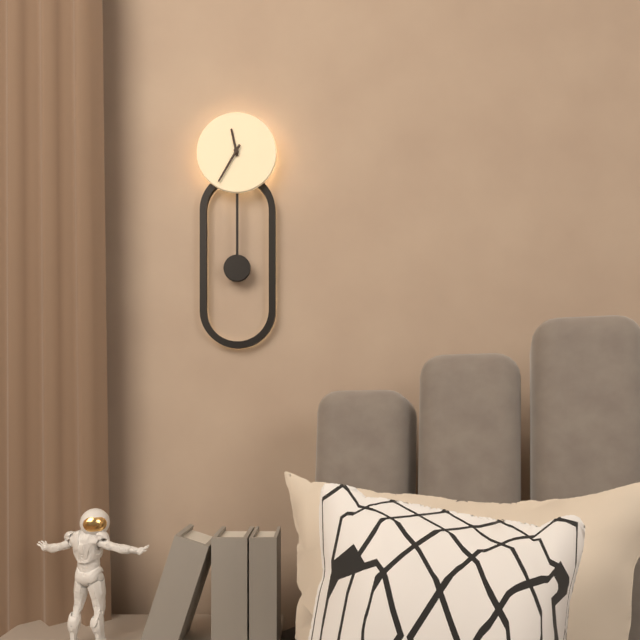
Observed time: 11:35
